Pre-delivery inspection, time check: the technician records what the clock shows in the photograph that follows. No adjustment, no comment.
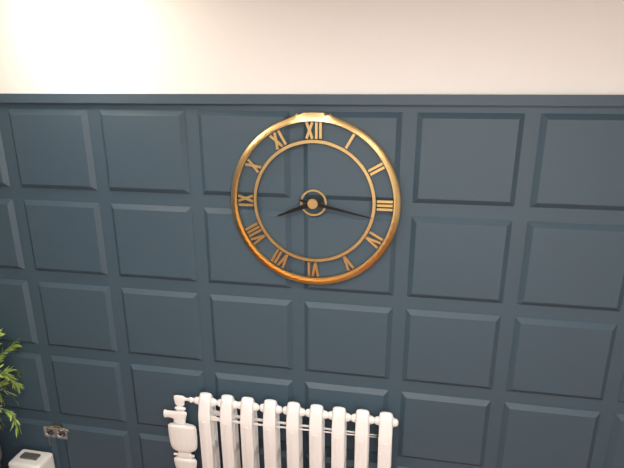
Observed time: 8:17
